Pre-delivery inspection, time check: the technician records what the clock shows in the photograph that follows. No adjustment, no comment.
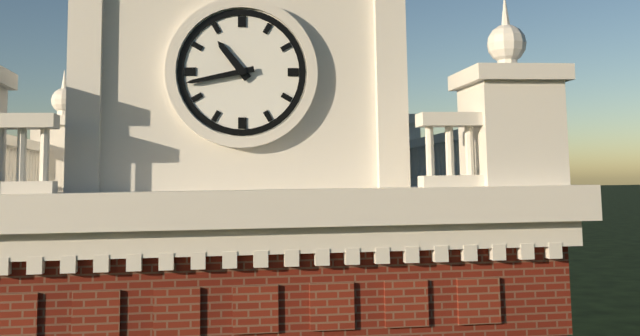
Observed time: 10:43
